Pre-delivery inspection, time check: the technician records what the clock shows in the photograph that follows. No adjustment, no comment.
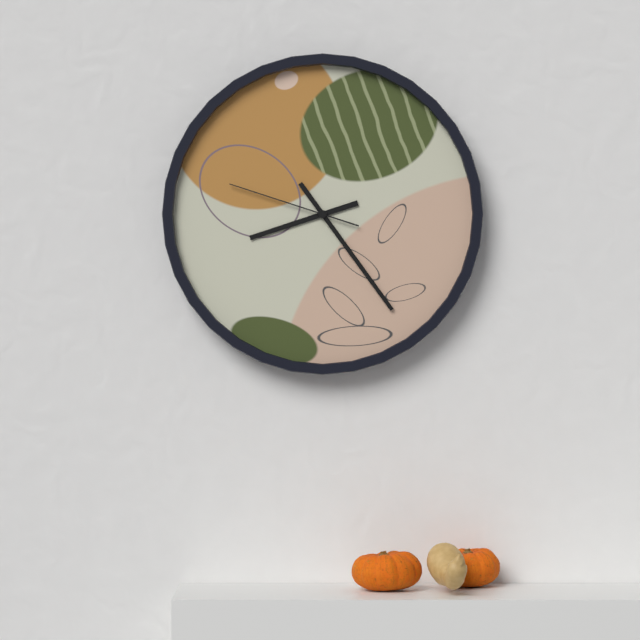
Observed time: 8:24:48
